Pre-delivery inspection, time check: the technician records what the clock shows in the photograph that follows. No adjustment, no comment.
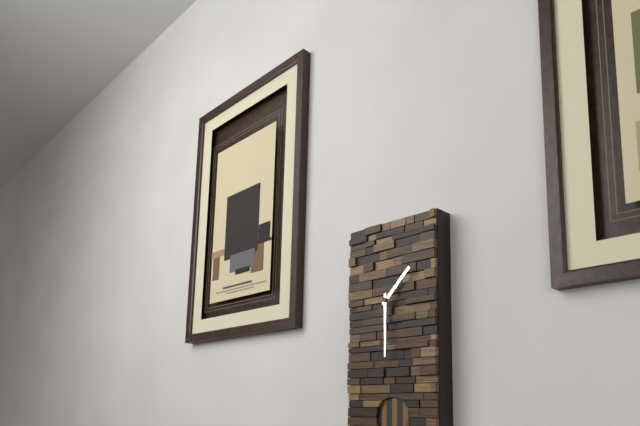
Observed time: 1:30
